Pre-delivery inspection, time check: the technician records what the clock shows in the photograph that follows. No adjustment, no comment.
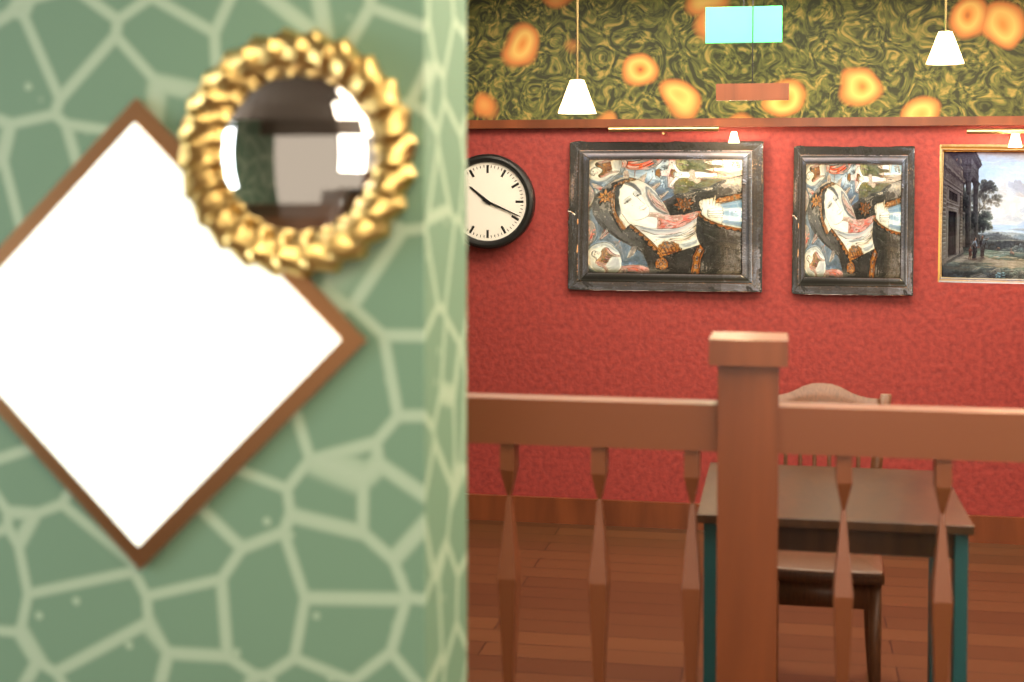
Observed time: 10:19
